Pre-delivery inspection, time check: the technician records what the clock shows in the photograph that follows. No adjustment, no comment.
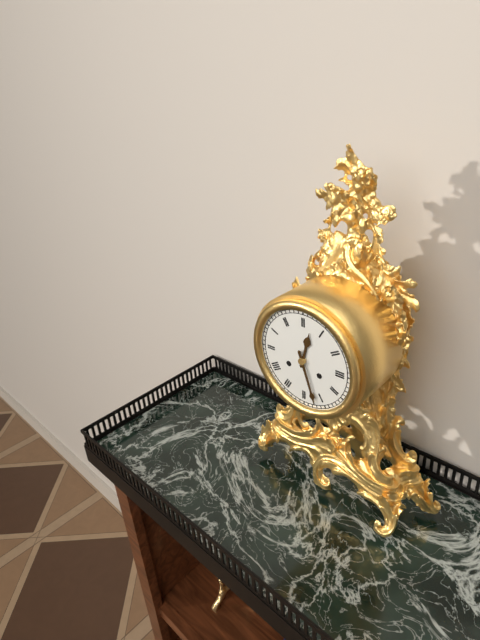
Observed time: 12:27
